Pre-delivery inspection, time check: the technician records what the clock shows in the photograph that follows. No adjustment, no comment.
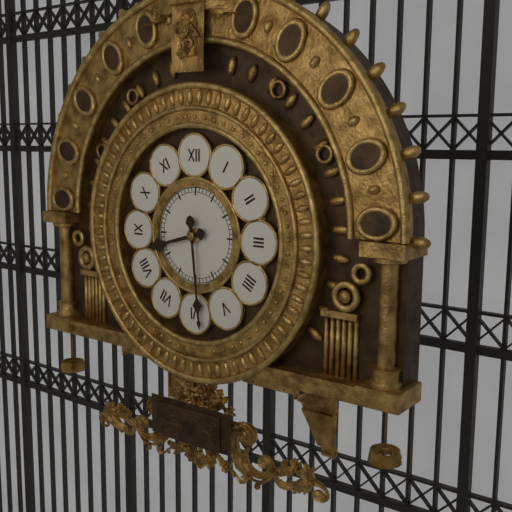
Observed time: 8:29
